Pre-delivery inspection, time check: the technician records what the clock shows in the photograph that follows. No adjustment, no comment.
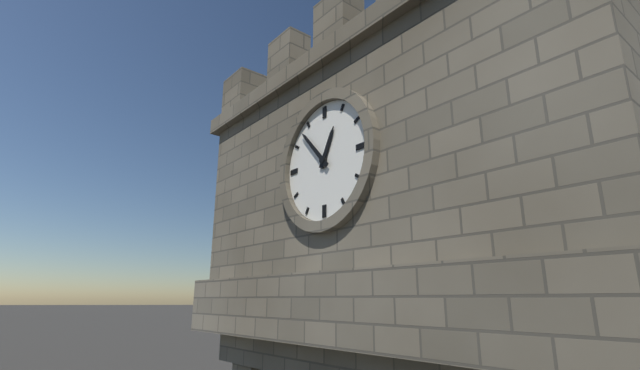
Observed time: 12:53
